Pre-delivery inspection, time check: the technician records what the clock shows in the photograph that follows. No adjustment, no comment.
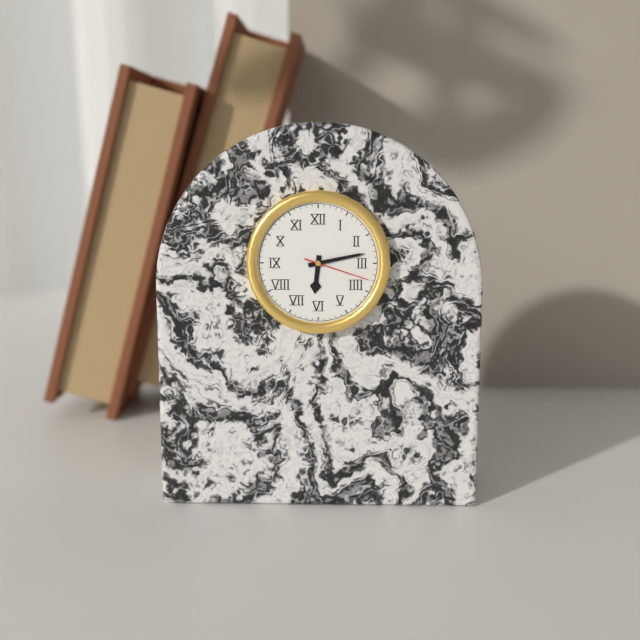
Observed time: 6:13:18
